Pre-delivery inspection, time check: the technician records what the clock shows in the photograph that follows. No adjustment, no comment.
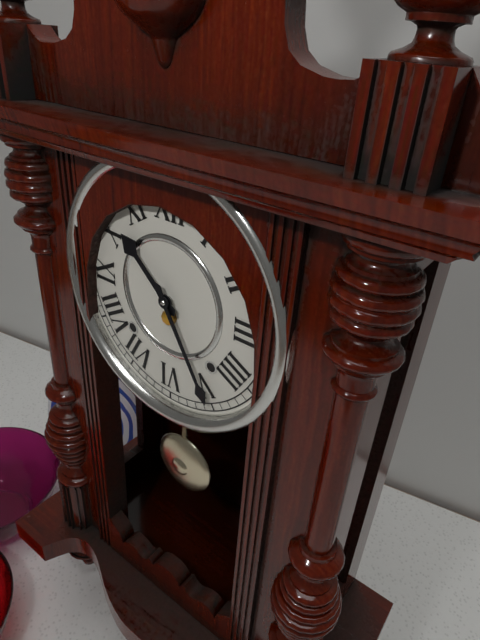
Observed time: 10:25
